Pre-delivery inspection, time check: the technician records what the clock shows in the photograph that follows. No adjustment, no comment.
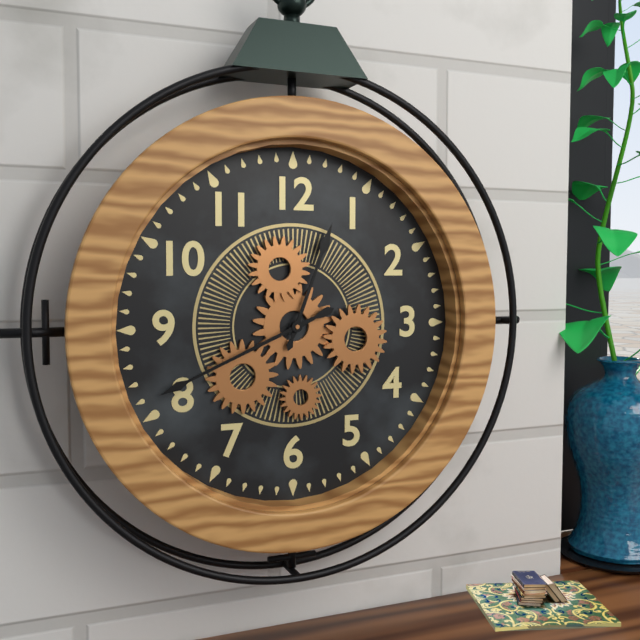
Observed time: 12:41
